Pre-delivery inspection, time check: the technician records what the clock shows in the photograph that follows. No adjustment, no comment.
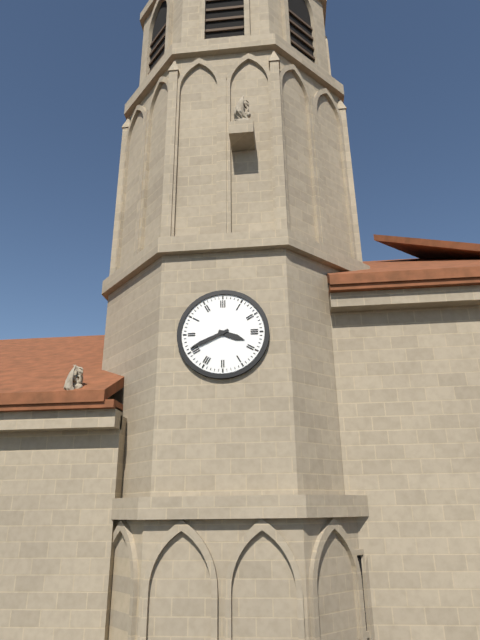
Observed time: 3:41
